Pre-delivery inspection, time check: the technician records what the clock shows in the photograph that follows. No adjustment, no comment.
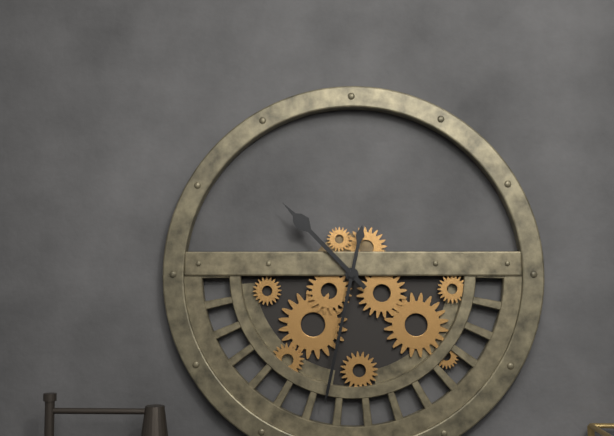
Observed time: 10:32
